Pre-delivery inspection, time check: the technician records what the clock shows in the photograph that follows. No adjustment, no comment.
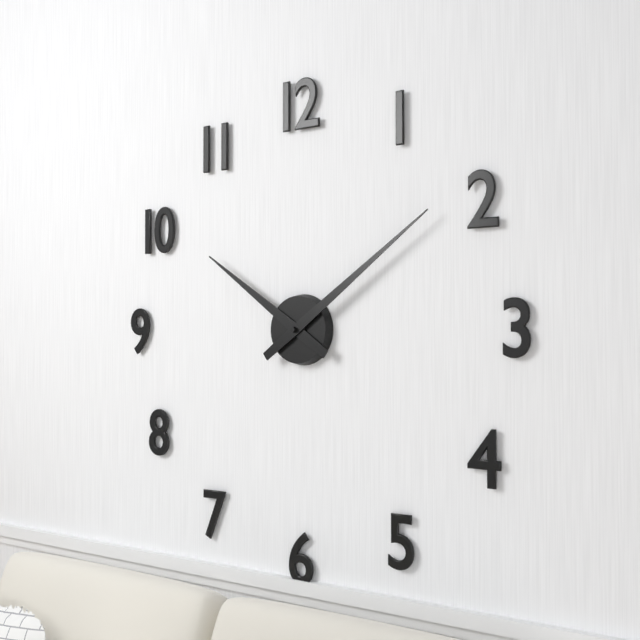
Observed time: 10:09
